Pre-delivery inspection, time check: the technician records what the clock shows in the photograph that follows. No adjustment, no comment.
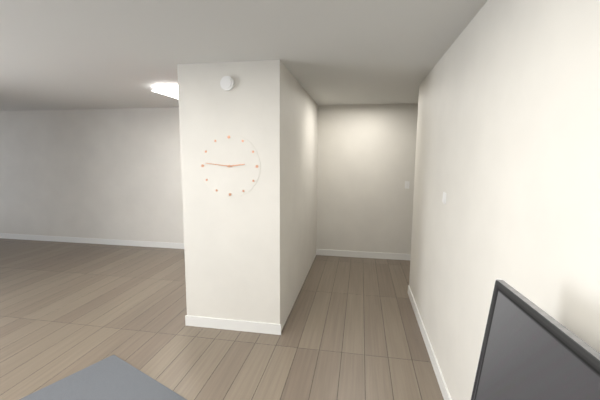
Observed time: 2:46
